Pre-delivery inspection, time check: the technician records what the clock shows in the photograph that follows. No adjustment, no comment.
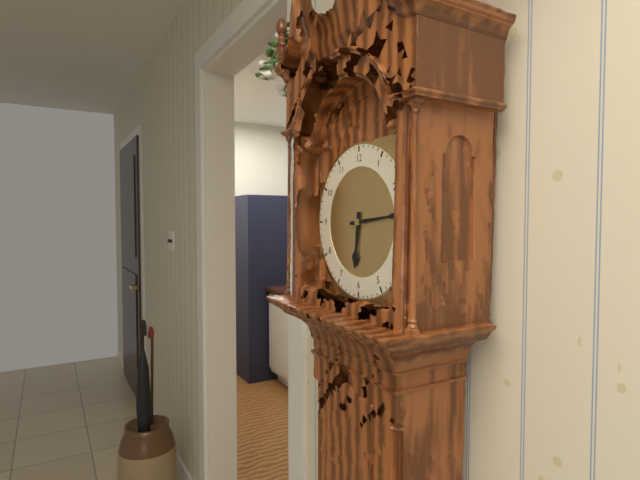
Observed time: 6:14
